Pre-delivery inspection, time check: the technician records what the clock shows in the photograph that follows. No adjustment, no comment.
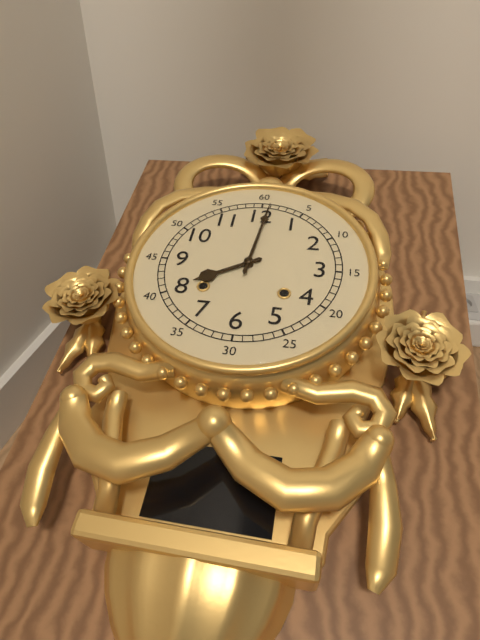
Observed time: 8:01
